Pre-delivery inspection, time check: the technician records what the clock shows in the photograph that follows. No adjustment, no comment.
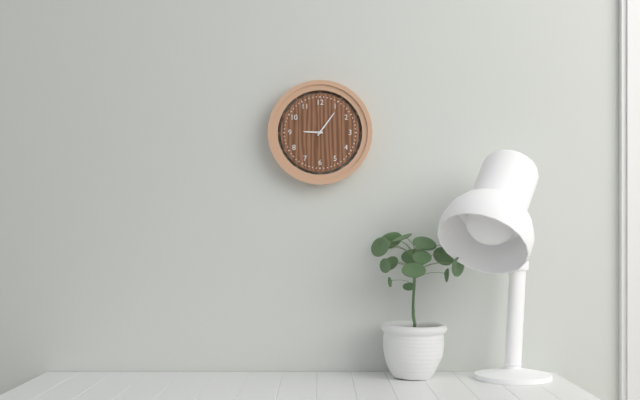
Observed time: 9:06
